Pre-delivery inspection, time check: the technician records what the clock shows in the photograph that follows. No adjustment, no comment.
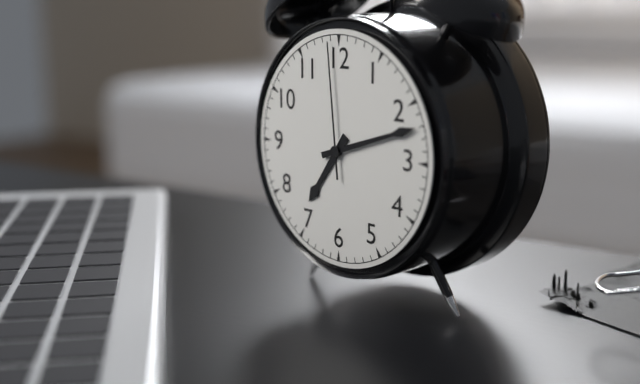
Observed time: 7:12:59
